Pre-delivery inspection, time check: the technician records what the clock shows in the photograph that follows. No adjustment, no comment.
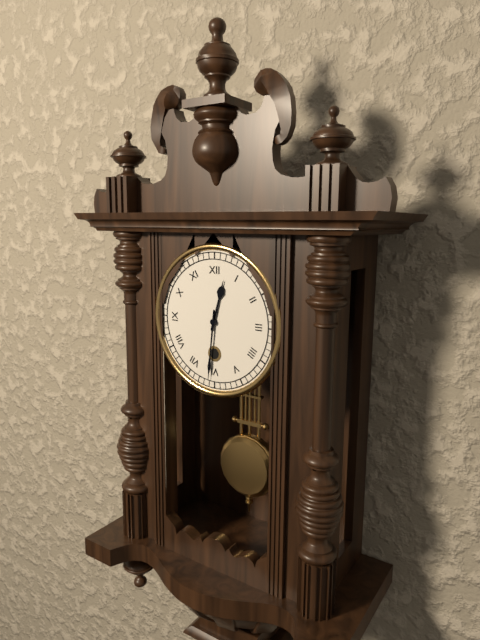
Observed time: 12:31
